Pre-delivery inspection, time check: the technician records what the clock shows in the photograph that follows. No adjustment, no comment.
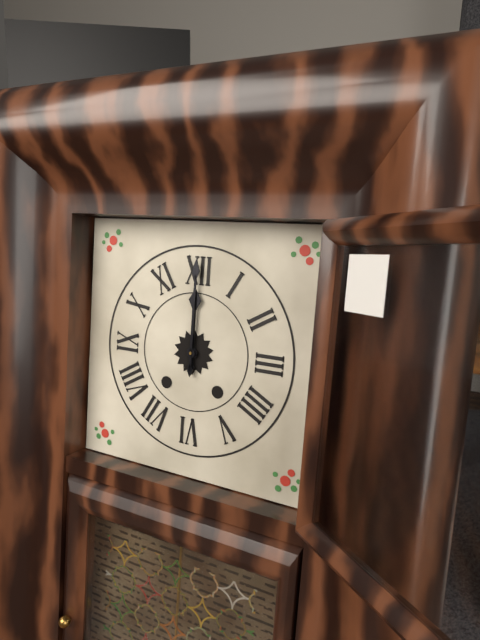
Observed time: 12:00
